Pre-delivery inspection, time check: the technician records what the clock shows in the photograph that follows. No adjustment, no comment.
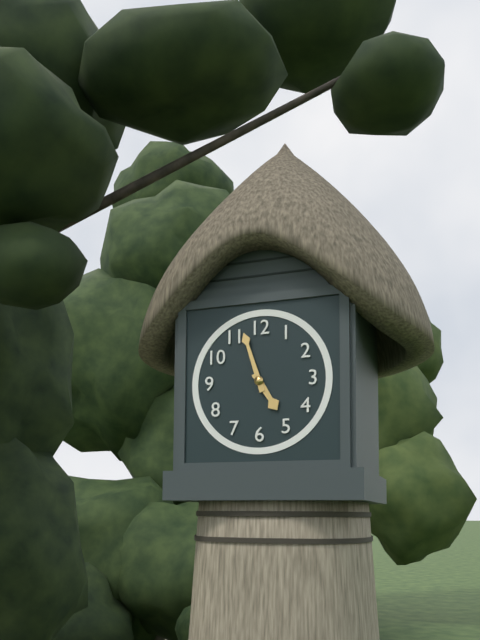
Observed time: 4:57
